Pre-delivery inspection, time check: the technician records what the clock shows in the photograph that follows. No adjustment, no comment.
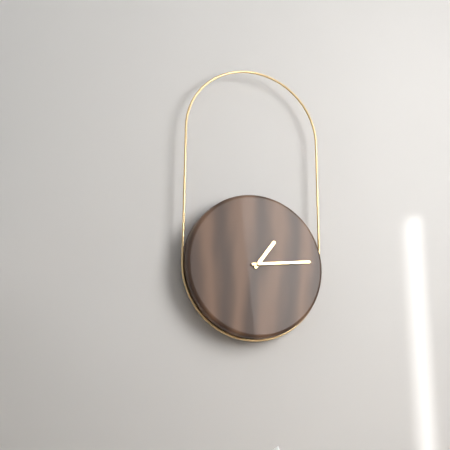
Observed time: 1:14
